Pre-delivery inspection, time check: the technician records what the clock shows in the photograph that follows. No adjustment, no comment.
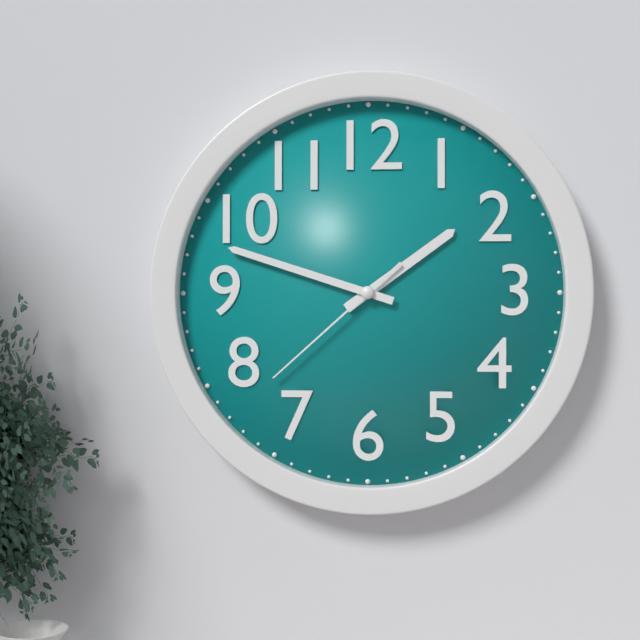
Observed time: 1:48:38
